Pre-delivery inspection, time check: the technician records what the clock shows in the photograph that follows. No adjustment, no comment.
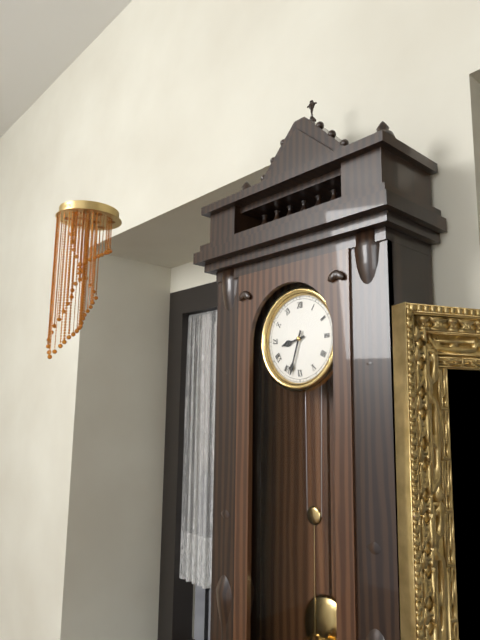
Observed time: 8:33
